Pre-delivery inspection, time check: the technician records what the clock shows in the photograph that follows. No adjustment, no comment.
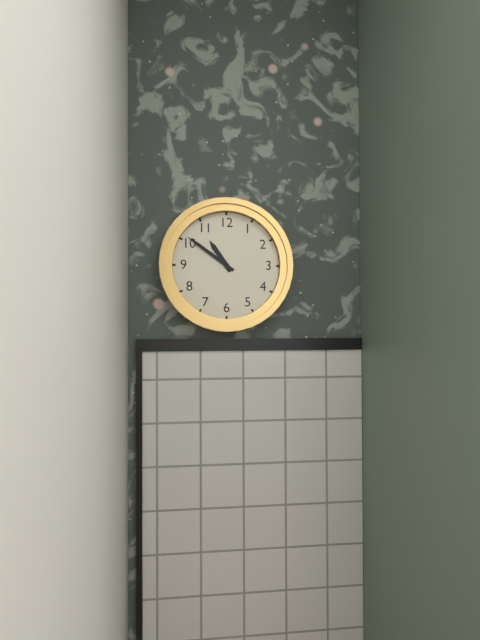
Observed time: 10:51
